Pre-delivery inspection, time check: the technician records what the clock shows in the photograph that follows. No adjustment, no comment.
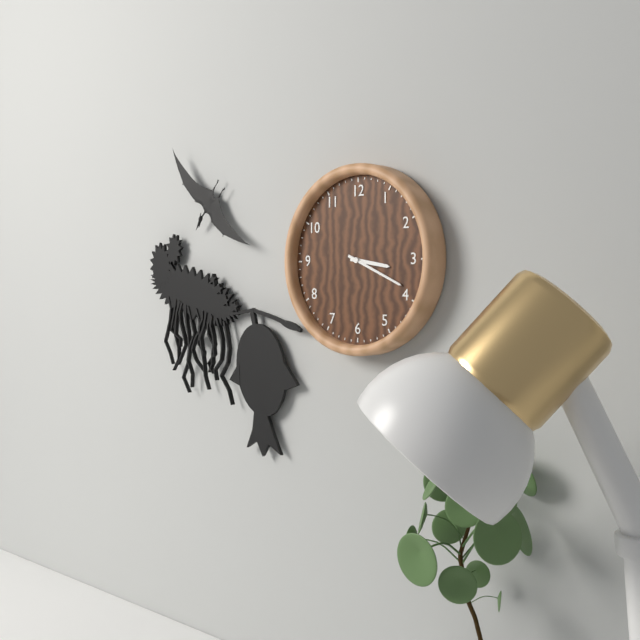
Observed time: 3:19
